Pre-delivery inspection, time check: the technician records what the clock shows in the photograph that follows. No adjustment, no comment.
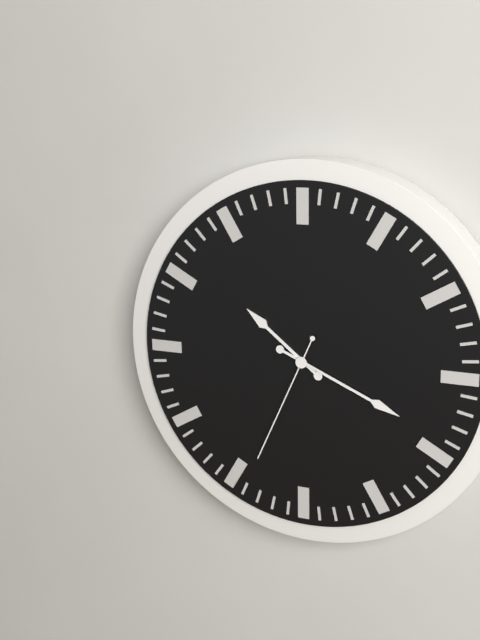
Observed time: 10:19:34
